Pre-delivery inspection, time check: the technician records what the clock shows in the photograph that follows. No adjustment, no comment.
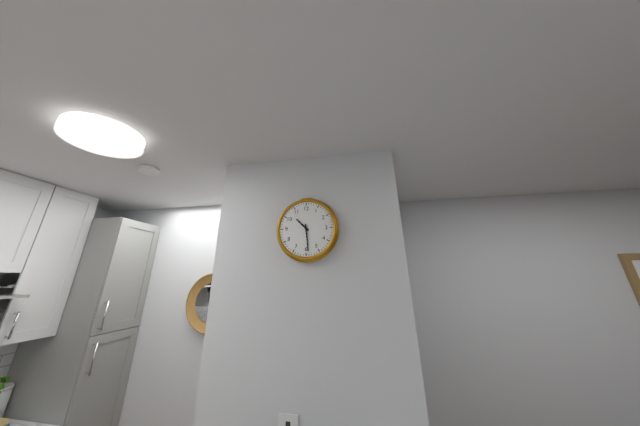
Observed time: 10:29
